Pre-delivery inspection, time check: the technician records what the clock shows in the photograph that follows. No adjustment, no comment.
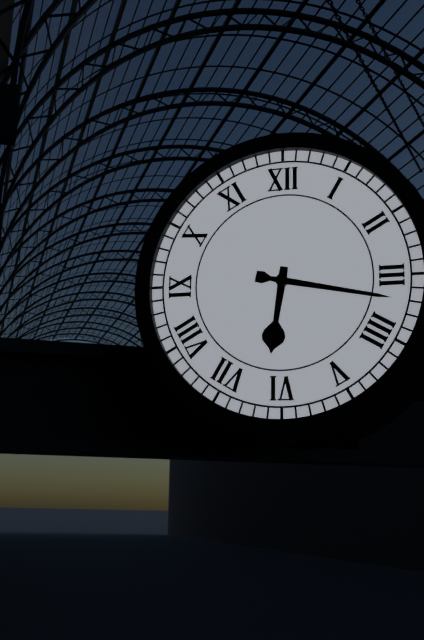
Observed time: 6:17
